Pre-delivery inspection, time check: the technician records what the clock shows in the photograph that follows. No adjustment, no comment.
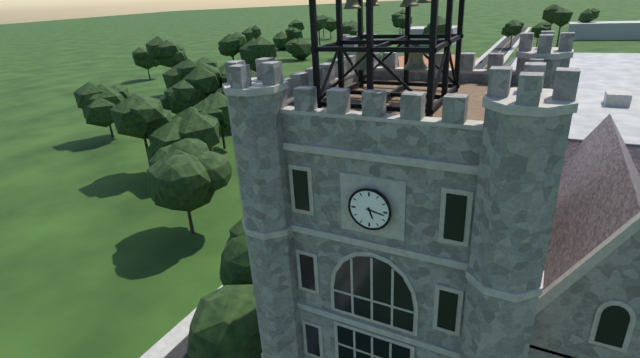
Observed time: 5:17
